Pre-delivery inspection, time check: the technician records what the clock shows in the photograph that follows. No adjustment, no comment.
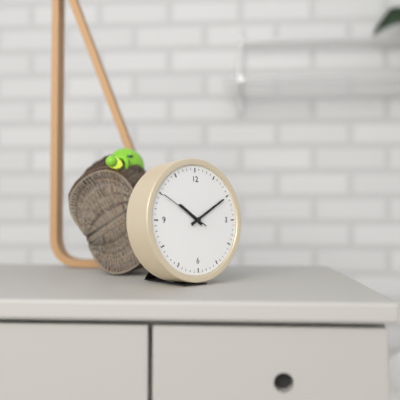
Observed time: 10:10:50
